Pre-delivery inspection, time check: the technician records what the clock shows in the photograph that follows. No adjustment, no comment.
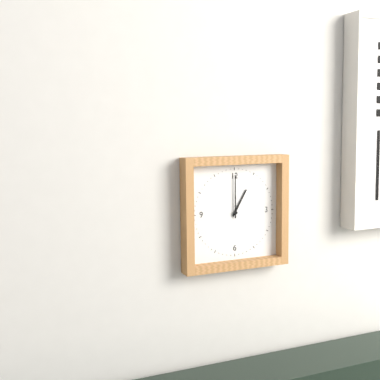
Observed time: 1:00
